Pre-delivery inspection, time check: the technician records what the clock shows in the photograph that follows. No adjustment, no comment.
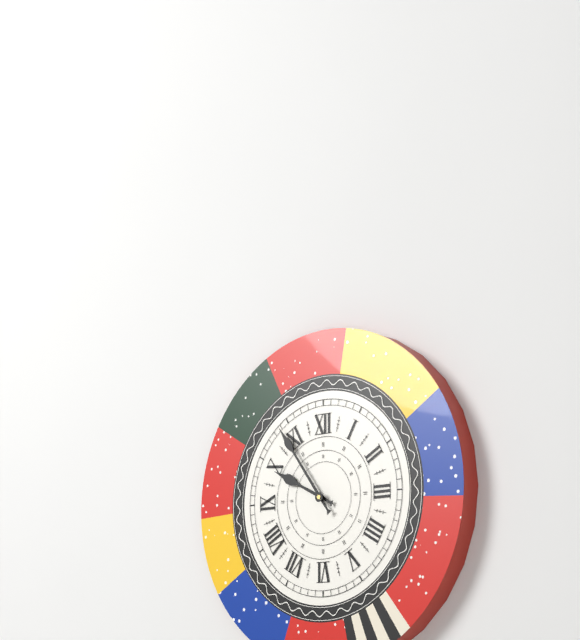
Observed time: 9:54
